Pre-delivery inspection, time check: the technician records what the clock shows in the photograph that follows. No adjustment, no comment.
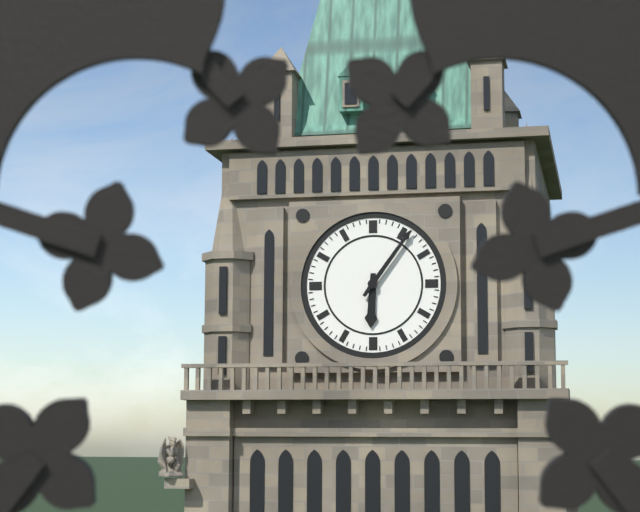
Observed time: 6:06
